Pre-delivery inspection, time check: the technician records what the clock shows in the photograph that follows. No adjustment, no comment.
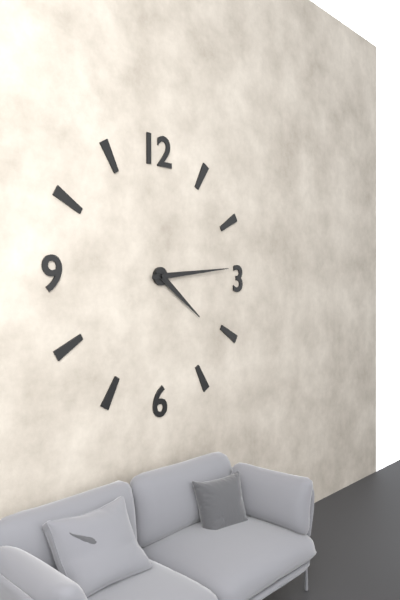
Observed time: 4:14
